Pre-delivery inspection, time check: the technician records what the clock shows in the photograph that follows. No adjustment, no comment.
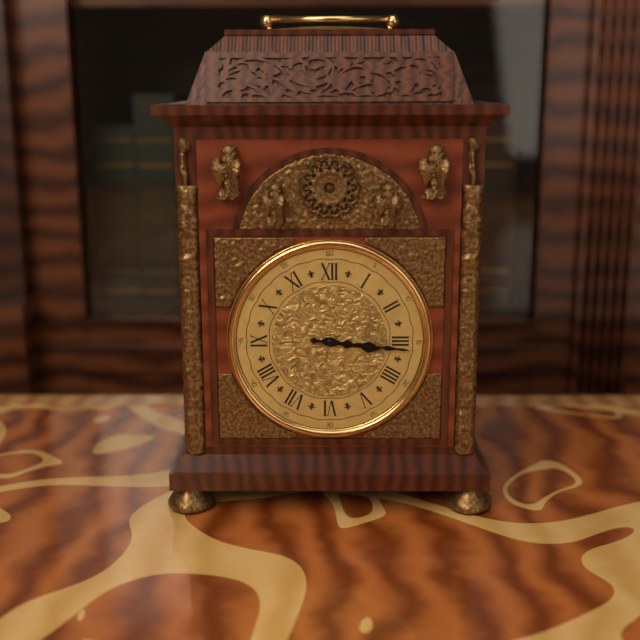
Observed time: 3:16
